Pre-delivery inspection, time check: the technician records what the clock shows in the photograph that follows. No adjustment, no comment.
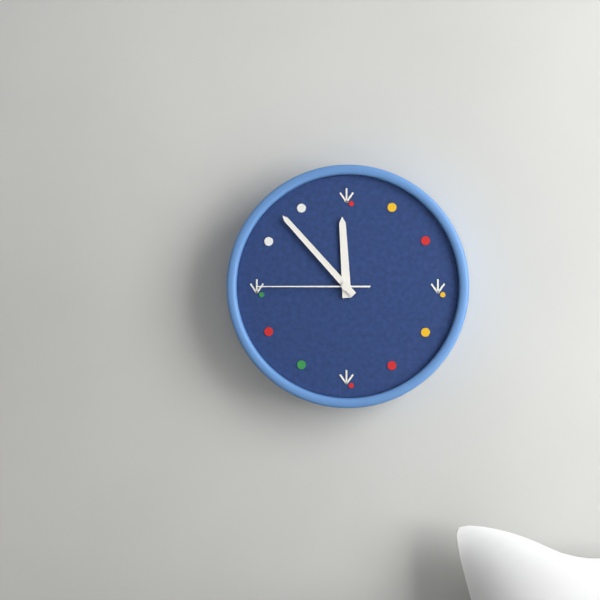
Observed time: 11:53:45
